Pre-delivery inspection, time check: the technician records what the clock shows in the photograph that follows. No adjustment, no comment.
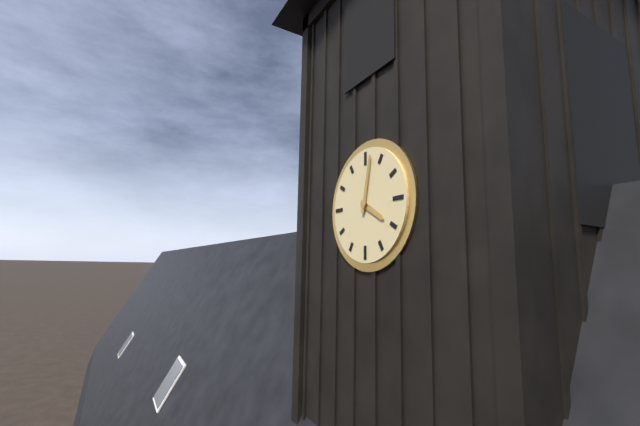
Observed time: 4:02
